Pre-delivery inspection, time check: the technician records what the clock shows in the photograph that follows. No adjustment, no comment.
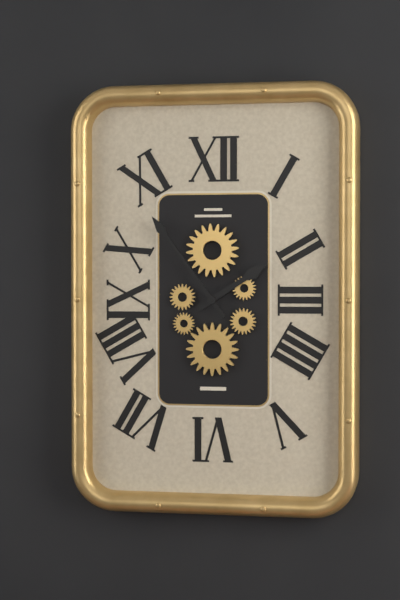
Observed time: 1:54
